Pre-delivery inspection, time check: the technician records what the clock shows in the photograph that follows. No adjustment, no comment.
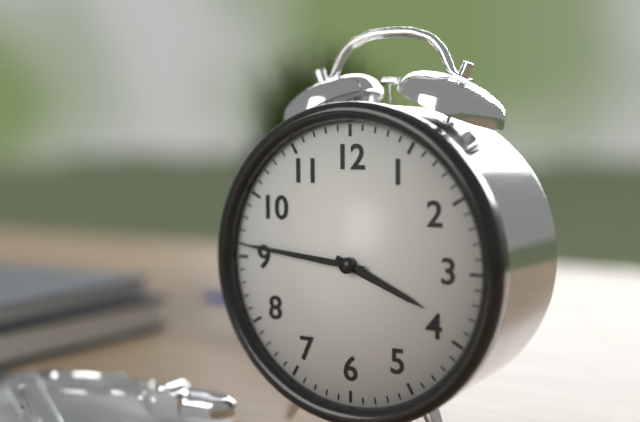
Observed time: 3:46
